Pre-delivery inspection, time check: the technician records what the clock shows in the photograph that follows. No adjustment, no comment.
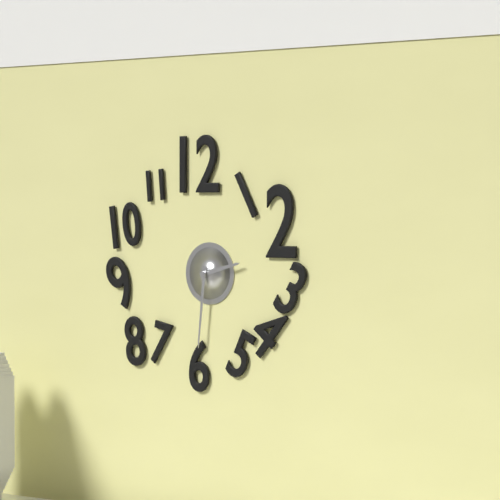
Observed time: 2:31
